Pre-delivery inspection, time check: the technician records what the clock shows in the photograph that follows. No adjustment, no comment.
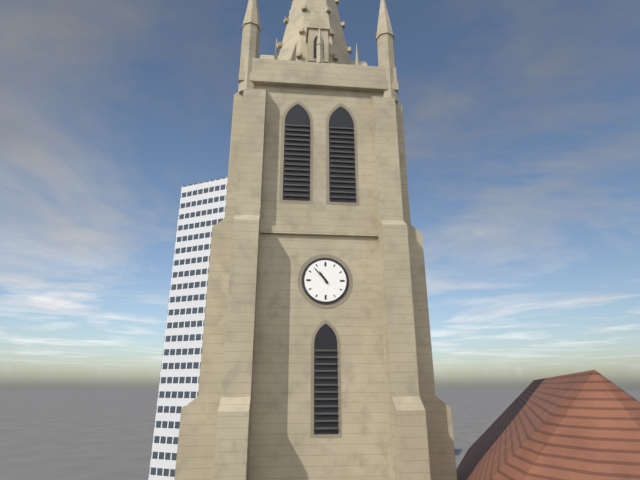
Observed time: 10:53
